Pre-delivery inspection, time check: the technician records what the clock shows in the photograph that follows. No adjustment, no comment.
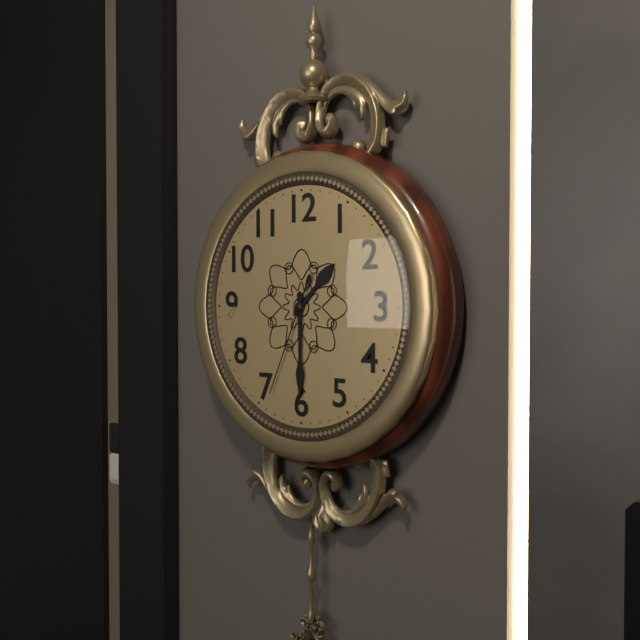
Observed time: 1:30:34
